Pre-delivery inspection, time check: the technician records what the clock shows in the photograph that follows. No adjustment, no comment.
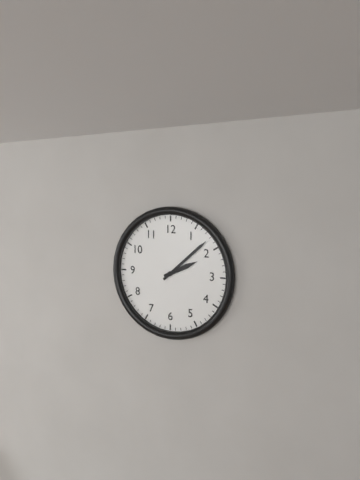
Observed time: 2:08
